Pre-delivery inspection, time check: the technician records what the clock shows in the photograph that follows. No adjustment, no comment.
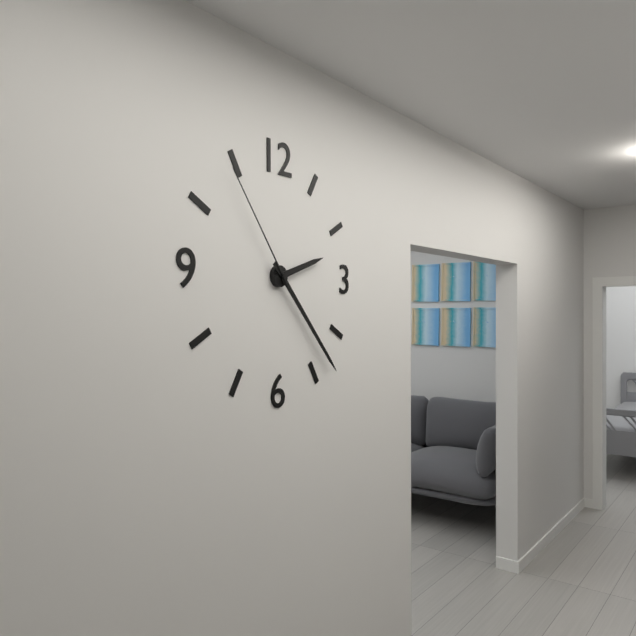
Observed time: 2:23:54
